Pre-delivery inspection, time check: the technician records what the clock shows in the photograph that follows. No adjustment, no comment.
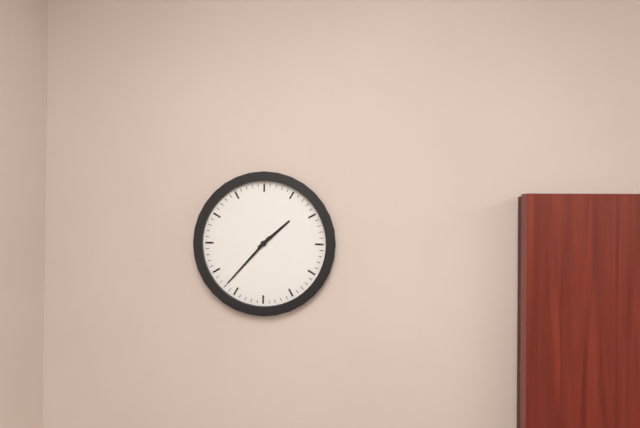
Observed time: 1:37
